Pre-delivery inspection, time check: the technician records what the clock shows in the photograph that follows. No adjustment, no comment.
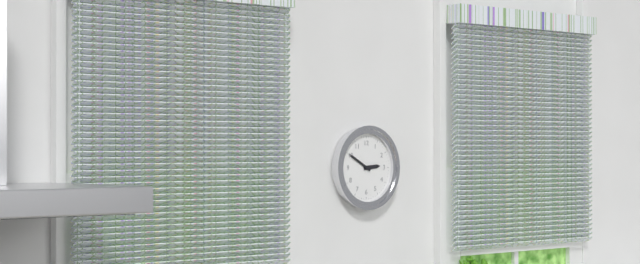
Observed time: 2:50
